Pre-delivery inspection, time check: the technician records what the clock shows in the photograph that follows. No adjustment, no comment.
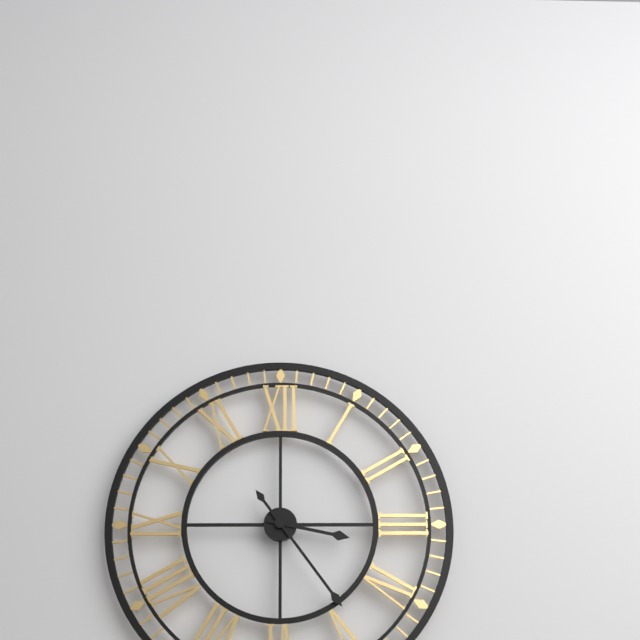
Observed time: 3:24
